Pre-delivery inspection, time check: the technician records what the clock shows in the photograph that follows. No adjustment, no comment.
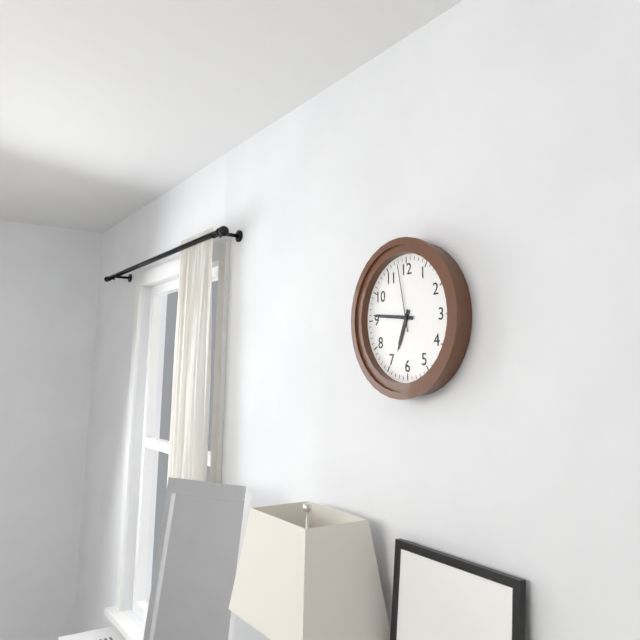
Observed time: 6:46:58
